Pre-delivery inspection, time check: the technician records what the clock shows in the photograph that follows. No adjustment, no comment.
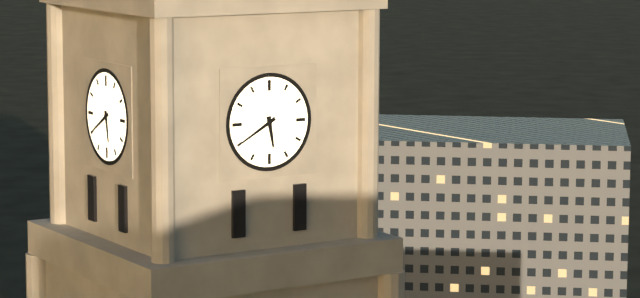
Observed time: 5:40
